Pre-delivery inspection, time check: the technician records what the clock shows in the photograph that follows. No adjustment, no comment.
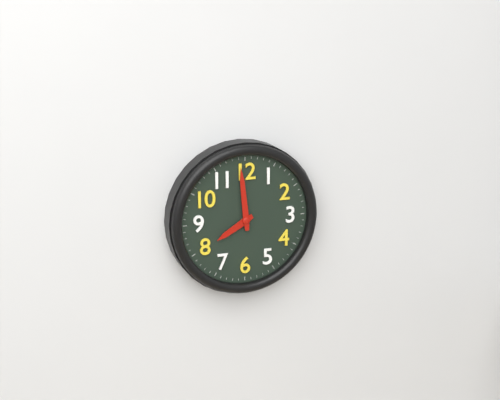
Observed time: 7:59
